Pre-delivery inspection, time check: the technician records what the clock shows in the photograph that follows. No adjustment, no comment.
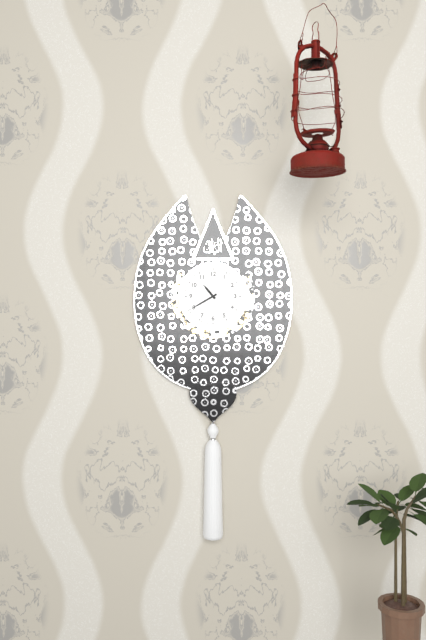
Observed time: 10:40
